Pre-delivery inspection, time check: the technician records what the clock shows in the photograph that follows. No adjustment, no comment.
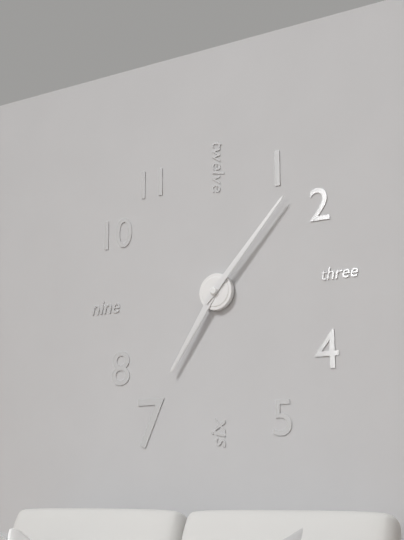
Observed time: 7:07
